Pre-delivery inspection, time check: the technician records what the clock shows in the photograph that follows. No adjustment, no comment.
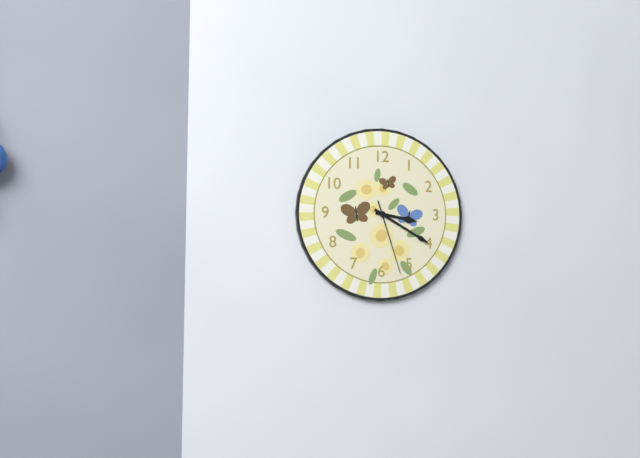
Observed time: 3:20:27
